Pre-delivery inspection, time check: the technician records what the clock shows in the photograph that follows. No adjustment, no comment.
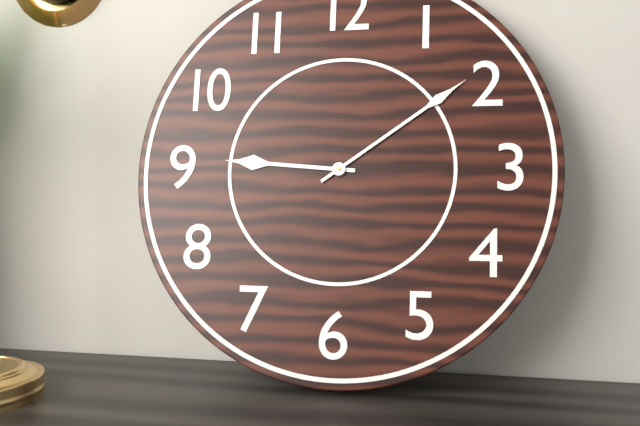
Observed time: 9:09
